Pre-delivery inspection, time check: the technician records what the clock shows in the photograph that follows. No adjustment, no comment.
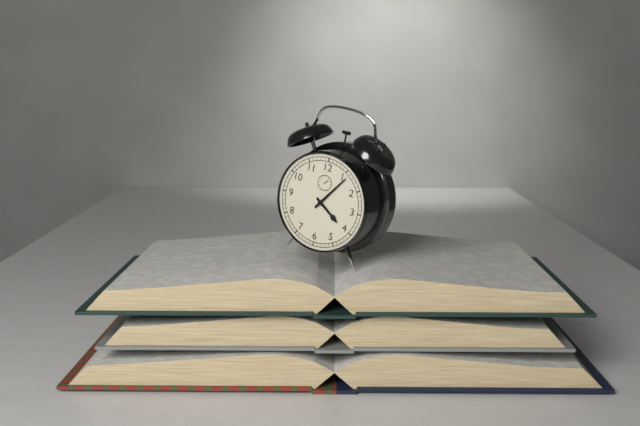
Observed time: 4:06
